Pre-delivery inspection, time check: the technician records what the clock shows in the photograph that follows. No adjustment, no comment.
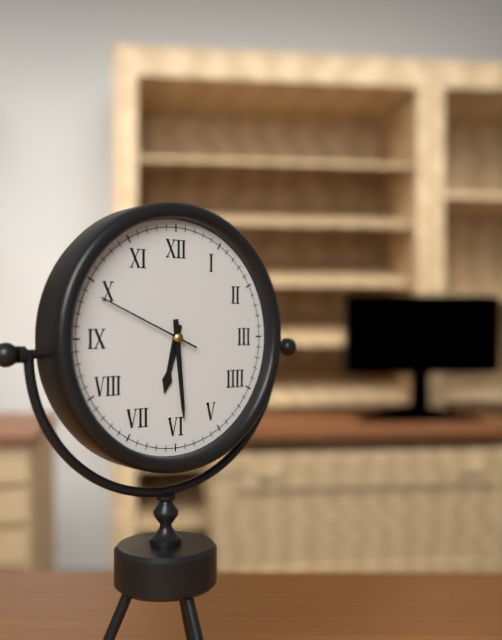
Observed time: 6:29:49
